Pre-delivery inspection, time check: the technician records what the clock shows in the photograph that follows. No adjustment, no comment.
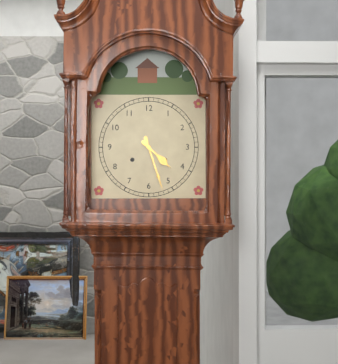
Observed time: 4:27
